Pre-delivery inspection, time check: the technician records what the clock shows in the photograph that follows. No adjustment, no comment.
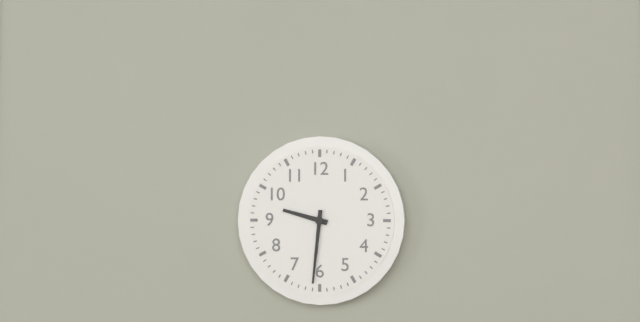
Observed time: 9:31
